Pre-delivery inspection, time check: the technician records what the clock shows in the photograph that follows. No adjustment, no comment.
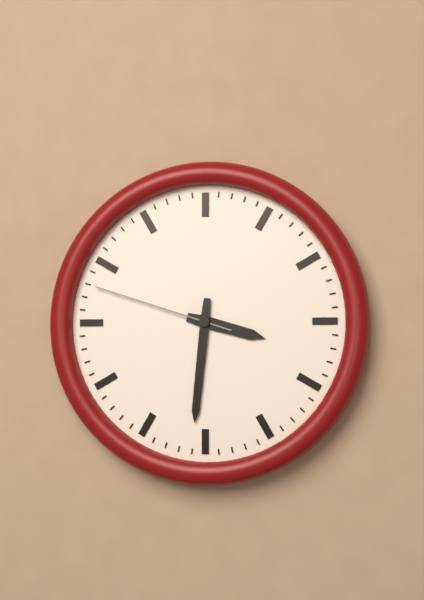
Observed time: 3:31:48
